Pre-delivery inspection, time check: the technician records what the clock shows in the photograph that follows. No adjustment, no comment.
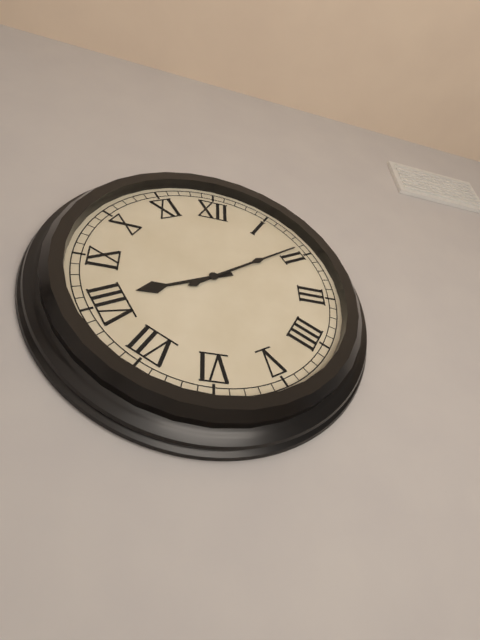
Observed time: 8:09
